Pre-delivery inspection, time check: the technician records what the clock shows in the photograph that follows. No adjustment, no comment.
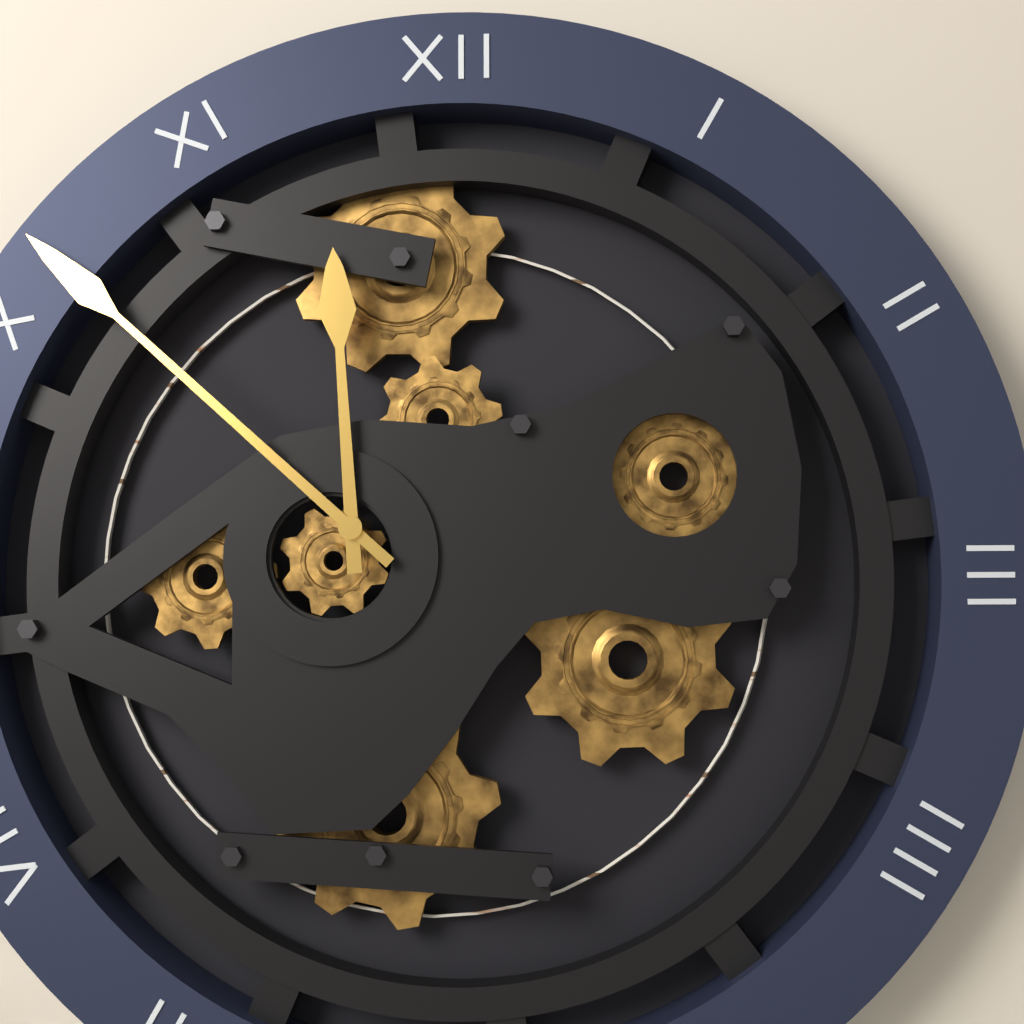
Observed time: 11:52
